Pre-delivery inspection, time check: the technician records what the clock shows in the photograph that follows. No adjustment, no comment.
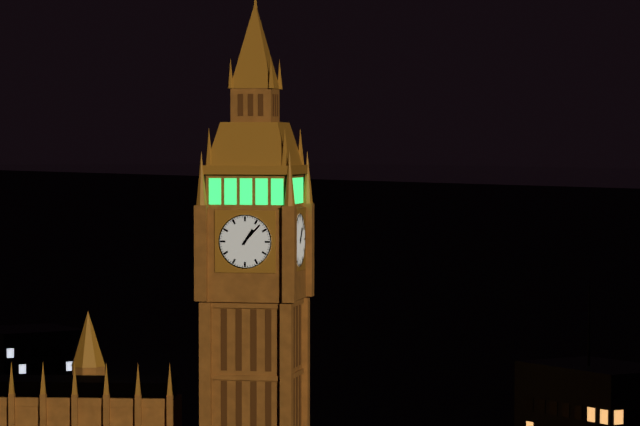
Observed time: 1:07
